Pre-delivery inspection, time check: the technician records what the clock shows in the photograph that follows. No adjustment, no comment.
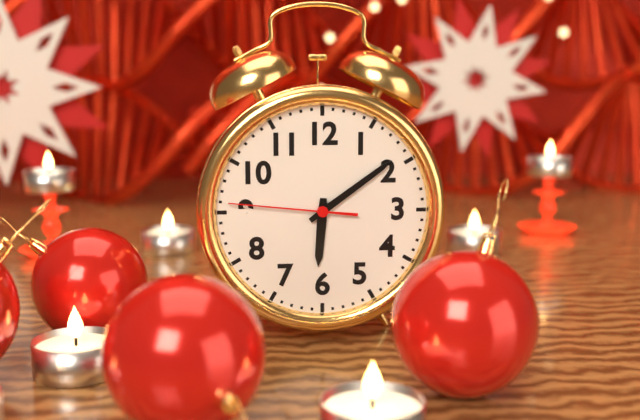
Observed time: 6:09:46
